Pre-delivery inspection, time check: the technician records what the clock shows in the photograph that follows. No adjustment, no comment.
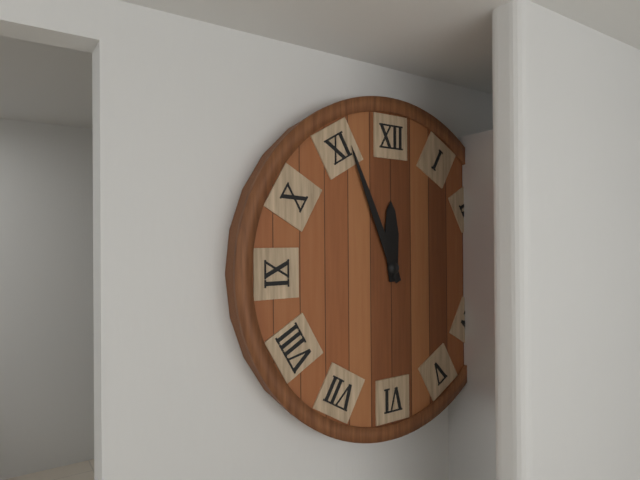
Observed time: 11:56
